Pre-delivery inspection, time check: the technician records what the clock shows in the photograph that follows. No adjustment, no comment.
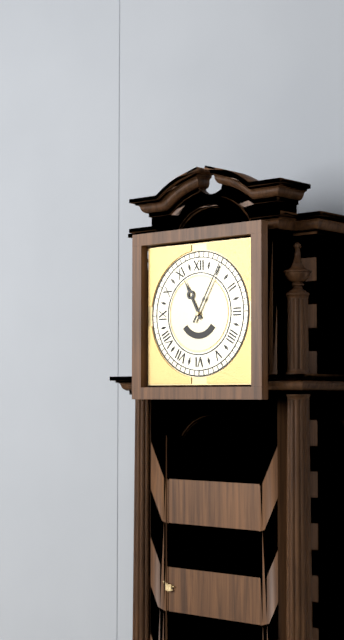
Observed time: 11:05
